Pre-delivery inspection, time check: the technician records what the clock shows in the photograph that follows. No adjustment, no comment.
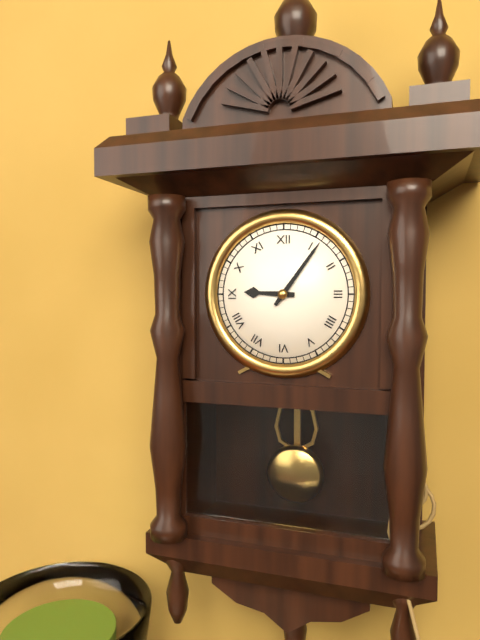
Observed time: 9:06
